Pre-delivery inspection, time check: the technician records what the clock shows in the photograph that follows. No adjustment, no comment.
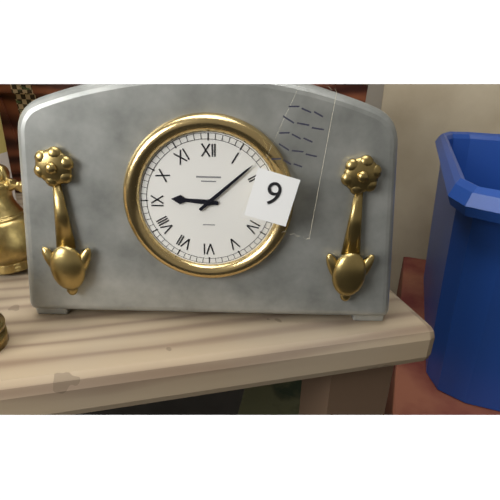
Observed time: 9:08
